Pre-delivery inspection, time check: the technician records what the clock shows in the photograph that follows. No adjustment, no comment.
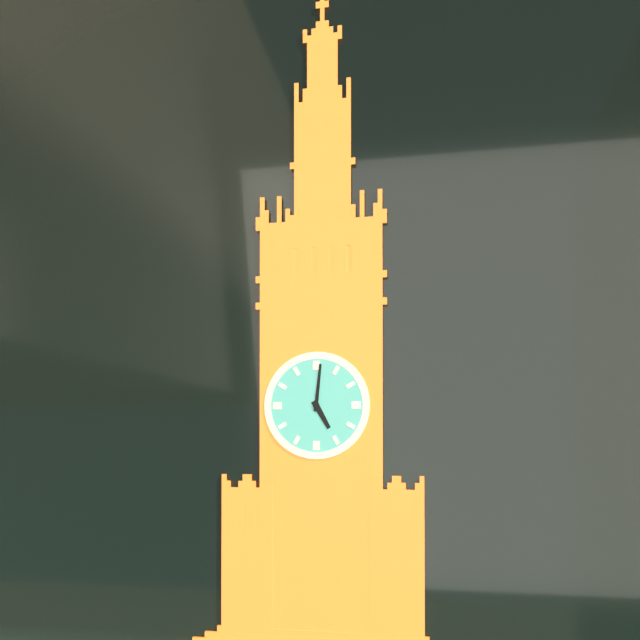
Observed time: 5:01
